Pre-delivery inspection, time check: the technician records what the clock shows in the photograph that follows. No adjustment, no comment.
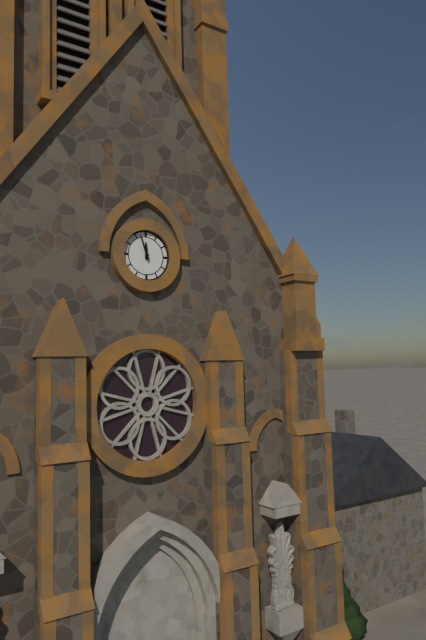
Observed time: 11:57
